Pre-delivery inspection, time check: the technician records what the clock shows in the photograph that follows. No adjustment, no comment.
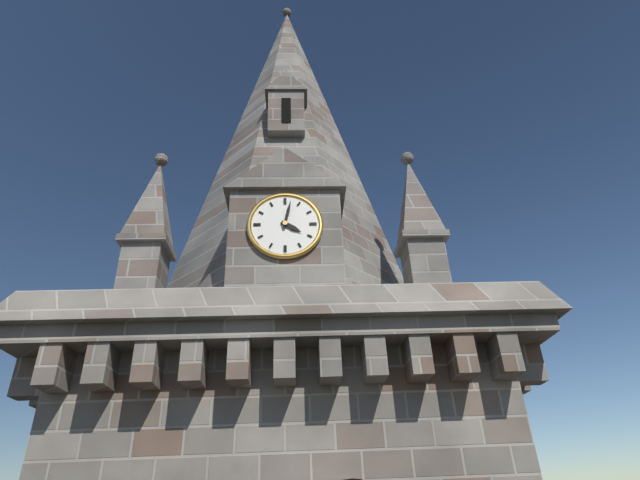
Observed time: 4:02
